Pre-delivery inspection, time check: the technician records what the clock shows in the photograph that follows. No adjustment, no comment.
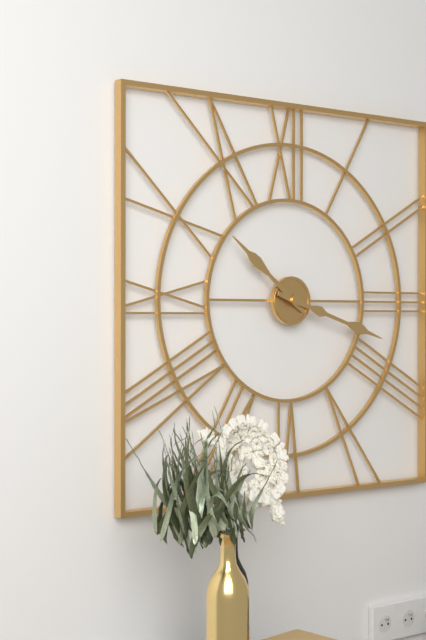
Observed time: 10:18
